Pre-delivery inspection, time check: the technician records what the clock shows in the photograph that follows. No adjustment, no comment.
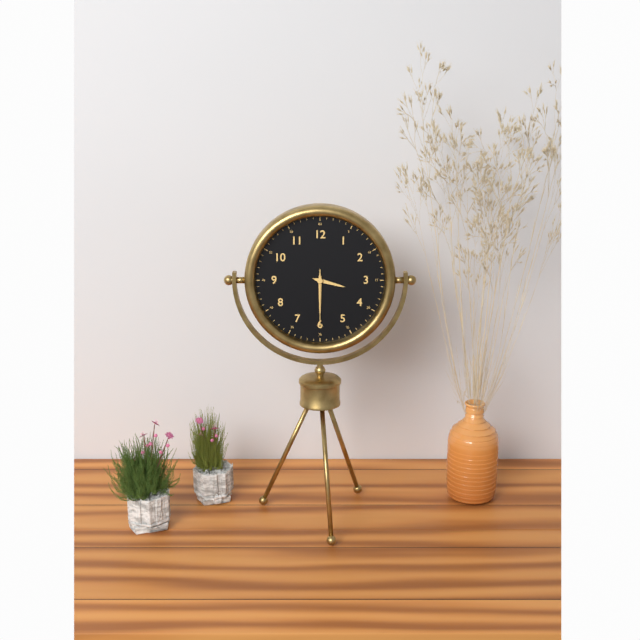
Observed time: 3:30:30
